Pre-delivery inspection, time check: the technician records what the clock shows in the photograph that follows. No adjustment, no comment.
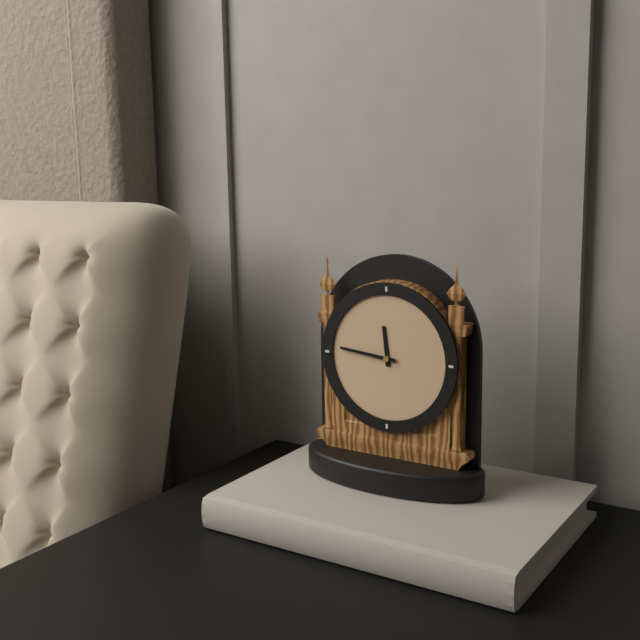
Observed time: 11:46
